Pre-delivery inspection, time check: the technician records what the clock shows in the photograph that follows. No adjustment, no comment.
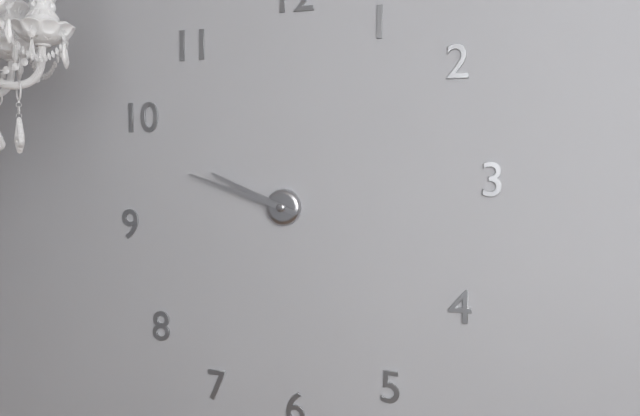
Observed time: 9:48
